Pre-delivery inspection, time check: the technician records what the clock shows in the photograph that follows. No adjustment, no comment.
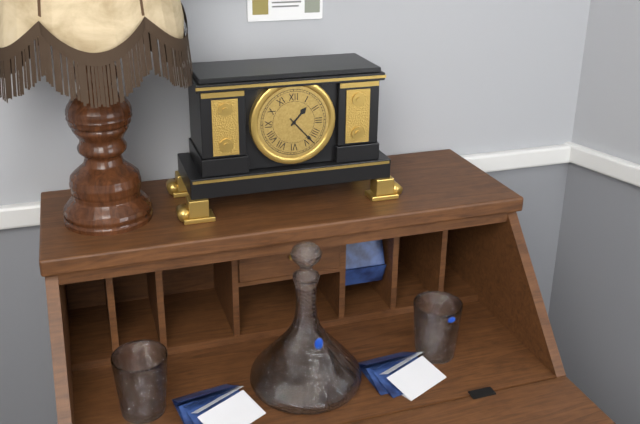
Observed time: 1:23
